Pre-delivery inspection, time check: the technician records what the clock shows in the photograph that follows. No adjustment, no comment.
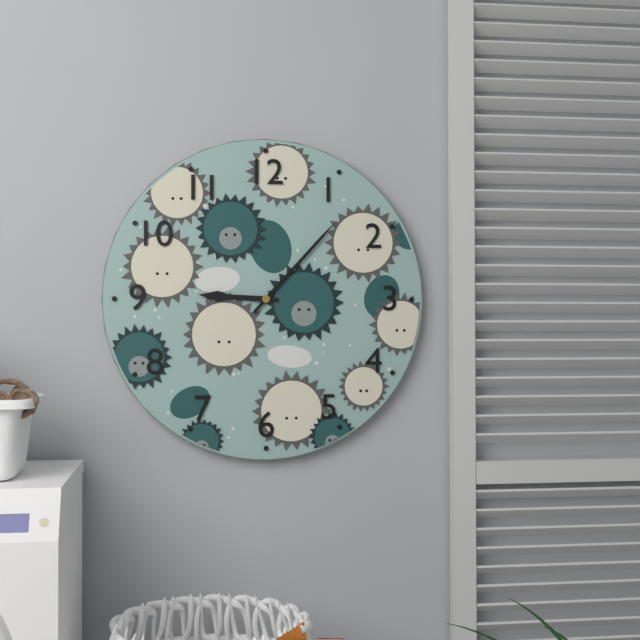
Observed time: 9:07
